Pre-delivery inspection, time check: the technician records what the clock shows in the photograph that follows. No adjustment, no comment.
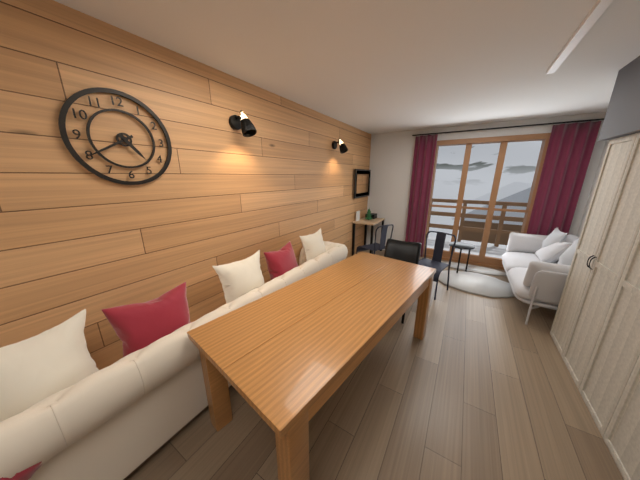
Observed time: 4:40
